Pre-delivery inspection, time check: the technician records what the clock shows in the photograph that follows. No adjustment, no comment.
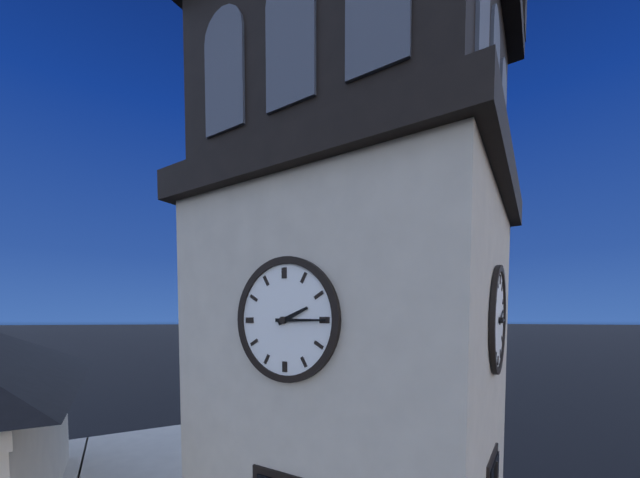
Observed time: 2:15
